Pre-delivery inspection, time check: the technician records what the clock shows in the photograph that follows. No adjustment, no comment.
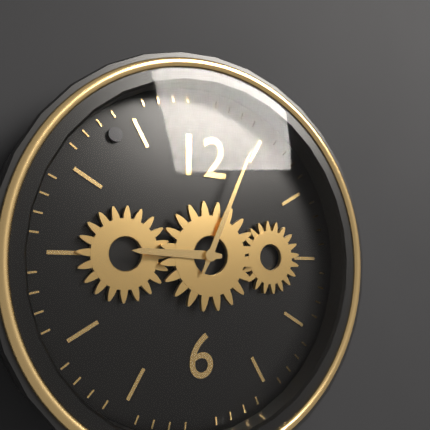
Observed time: 9:04
